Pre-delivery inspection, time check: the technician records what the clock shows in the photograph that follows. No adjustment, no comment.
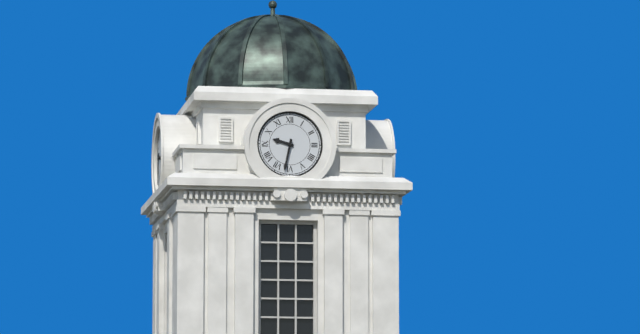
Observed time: 9:32
